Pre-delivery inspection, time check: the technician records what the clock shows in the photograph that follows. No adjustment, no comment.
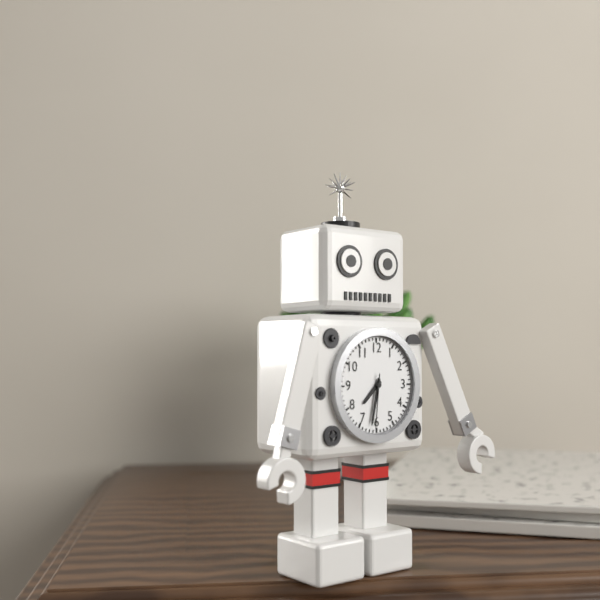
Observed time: 7:32:31
